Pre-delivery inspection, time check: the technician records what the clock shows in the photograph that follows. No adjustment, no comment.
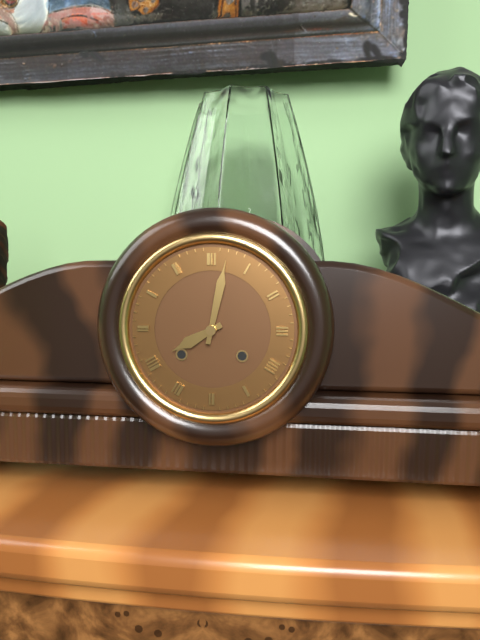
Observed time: 8:02
